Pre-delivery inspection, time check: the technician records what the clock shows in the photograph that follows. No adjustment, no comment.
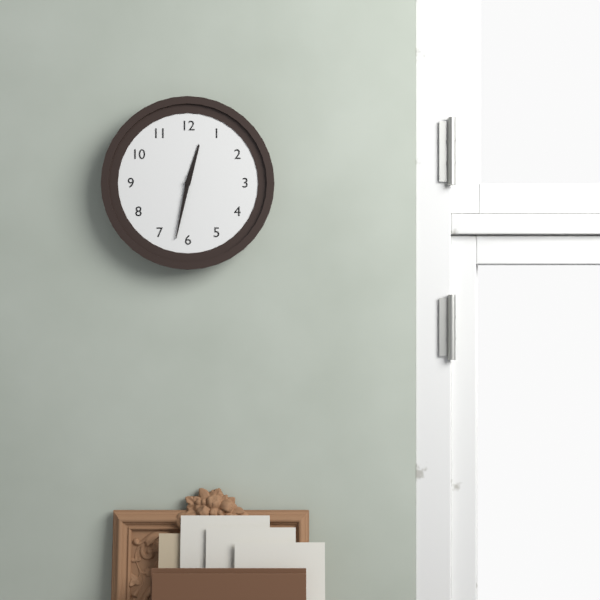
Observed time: 12:32
